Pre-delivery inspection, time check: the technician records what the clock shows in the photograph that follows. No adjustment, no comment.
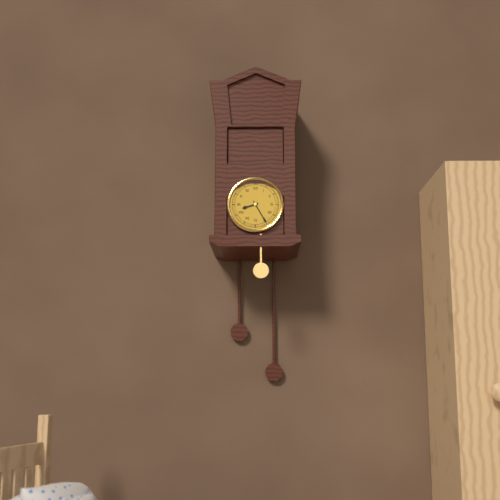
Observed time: 8:25
